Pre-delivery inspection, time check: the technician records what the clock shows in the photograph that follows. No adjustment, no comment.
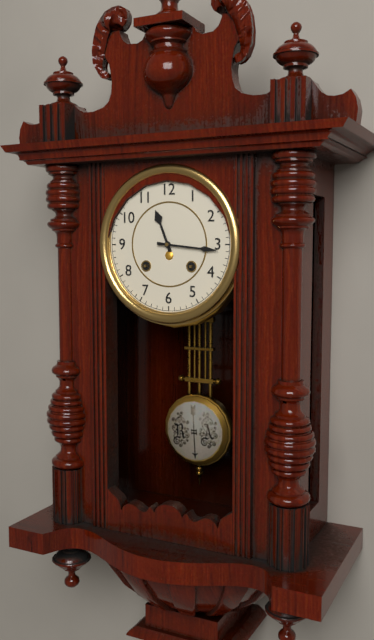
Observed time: 11:16
